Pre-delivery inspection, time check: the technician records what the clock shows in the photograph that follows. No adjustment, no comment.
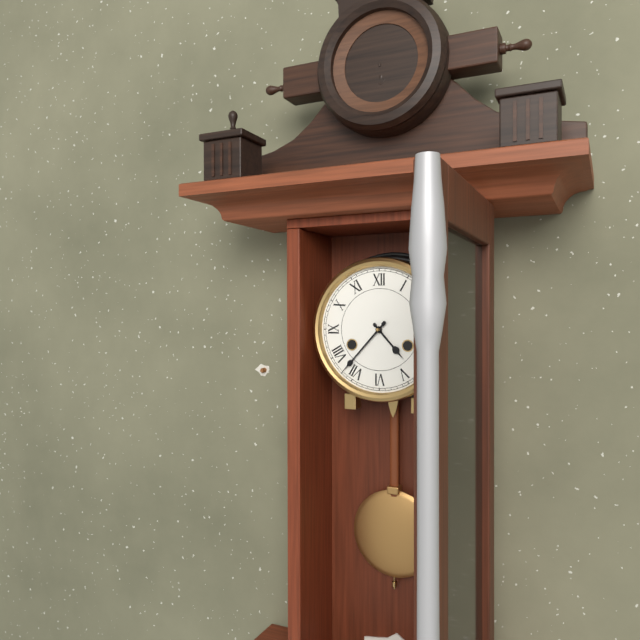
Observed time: 4:37
